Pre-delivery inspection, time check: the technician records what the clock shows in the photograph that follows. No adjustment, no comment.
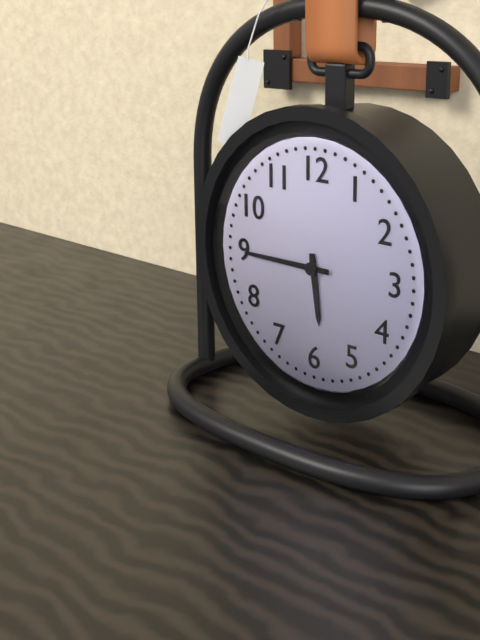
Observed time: 5:45
